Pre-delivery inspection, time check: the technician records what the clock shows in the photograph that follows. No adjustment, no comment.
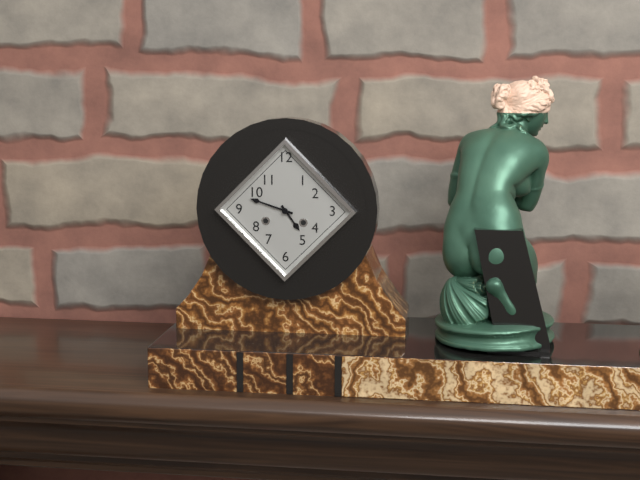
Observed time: 4:48
